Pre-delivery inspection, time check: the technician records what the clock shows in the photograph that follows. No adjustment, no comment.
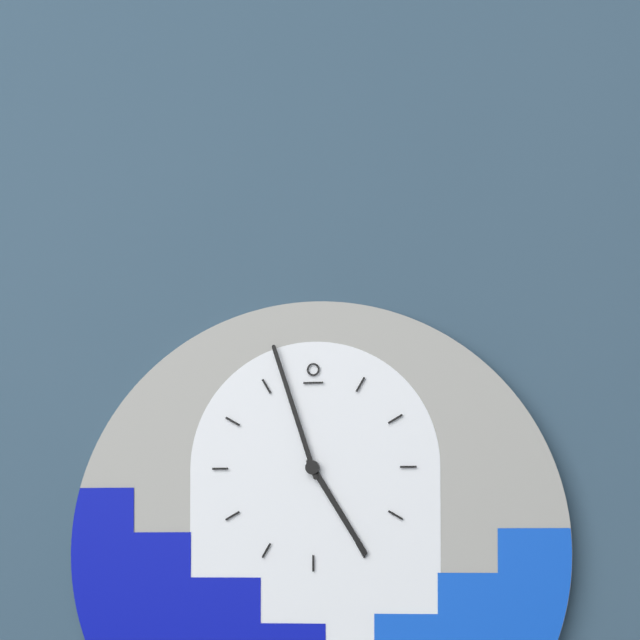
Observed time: 4:57
